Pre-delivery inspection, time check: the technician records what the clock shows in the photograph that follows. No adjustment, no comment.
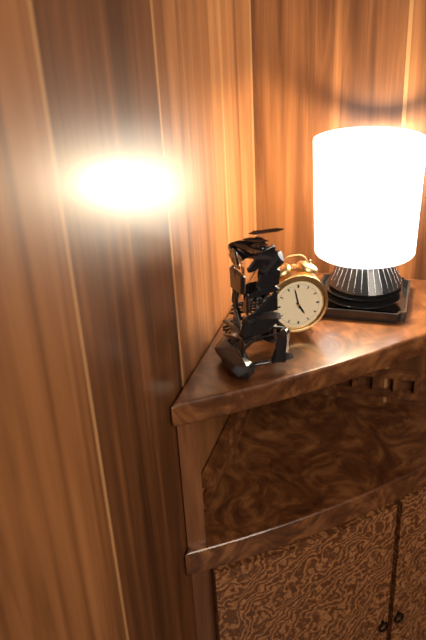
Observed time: 4:58
